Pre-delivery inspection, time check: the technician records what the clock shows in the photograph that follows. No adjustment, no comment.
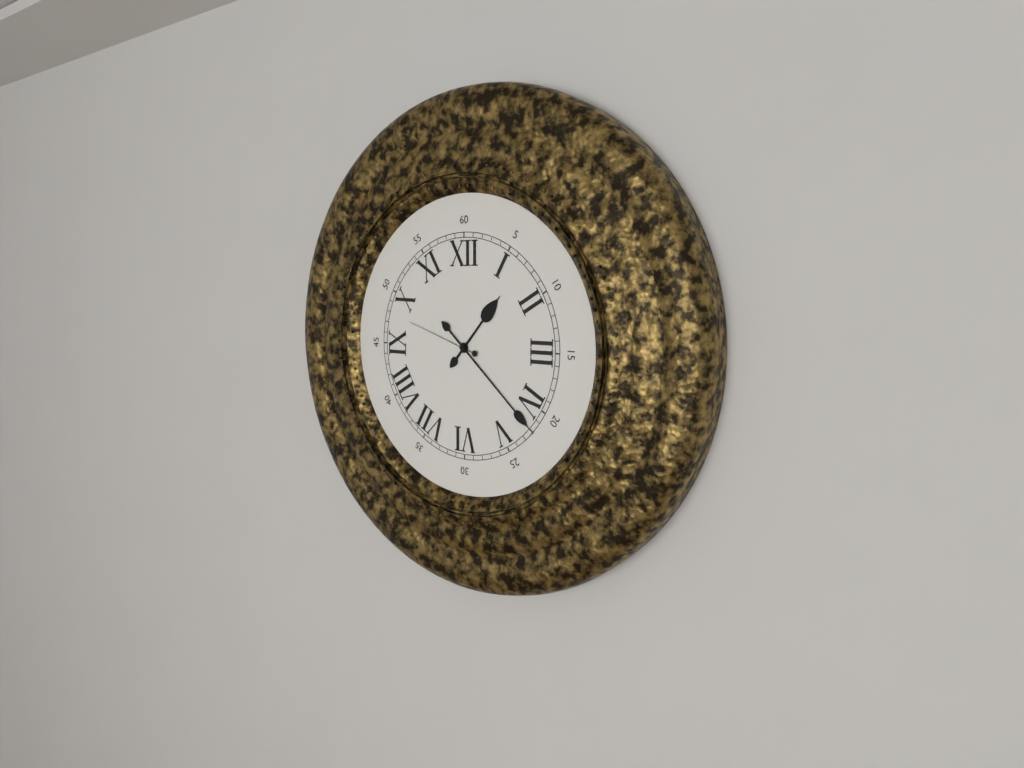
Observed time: 1:22:48
